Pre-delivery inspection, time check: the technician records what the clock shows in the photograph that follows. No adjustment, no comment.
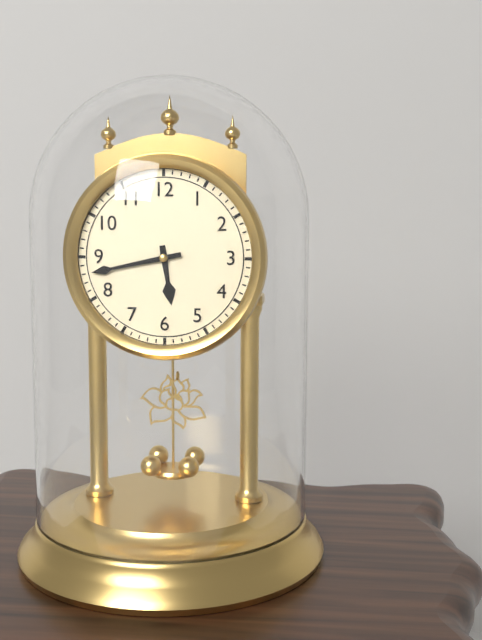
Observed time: 5:43
